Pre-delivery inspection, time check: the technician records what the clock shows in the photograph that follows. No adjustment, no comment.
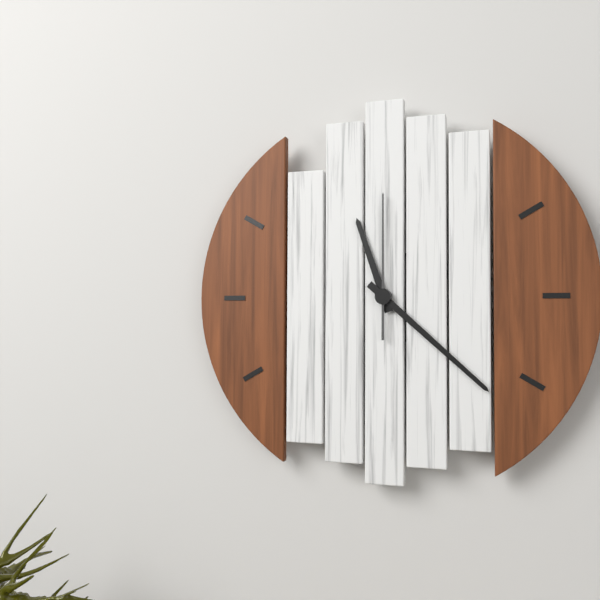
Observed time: 11:22:00
